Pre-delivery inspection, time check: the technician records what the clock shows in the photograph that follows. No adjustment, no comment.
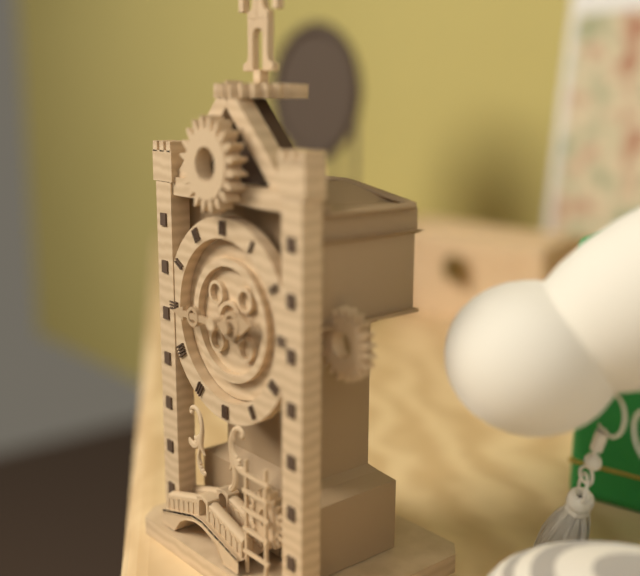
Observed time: 2:45
